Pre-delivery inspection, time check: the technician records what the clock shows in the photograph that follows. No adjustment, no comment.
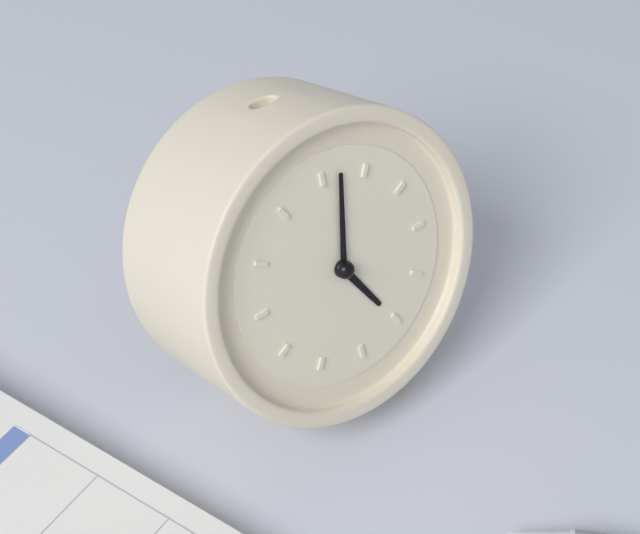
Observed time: 5:02
